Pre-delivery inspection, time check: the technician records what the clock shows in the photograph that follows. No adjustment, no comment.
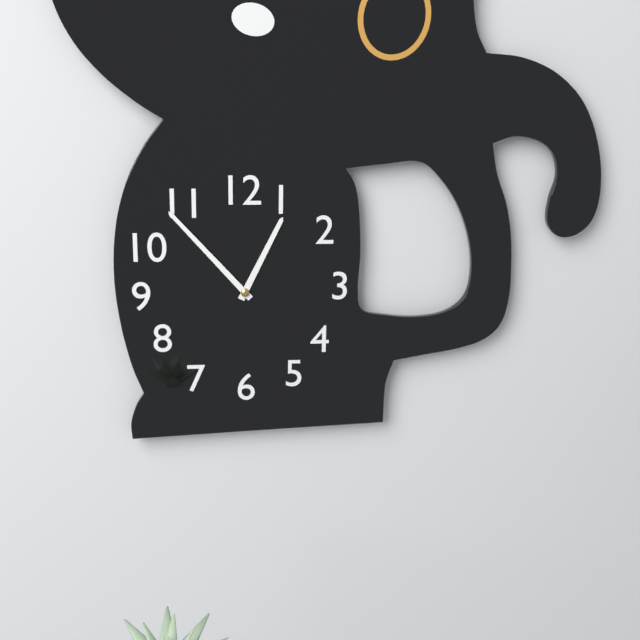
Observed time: 12:53
